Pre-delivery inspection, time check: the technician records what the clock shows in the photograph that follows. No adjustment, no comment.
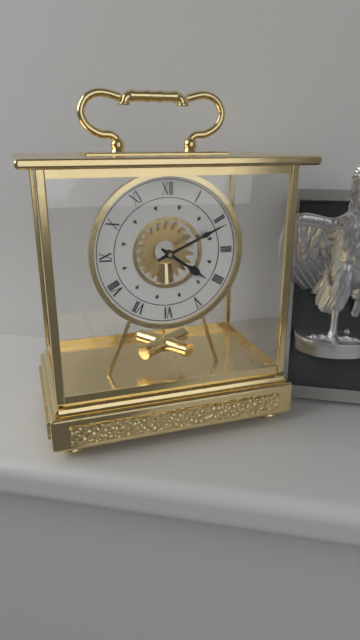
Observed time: 4:11
